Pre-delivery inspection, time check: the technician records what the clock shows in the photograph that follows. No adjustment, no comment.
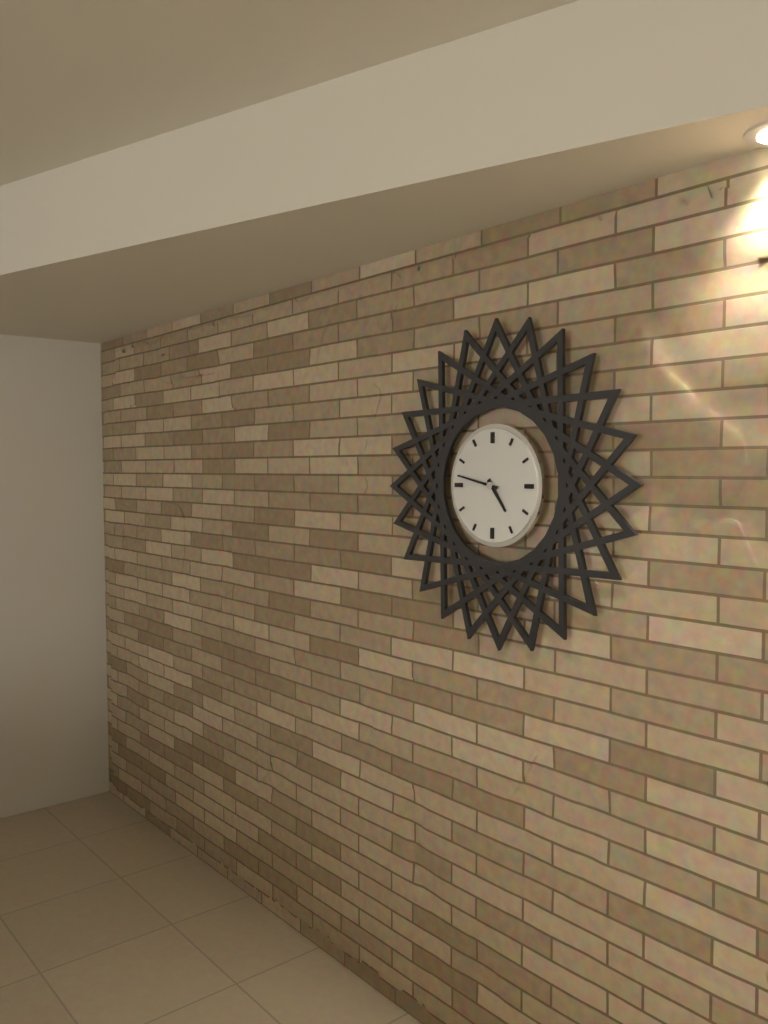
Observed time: 4:47
